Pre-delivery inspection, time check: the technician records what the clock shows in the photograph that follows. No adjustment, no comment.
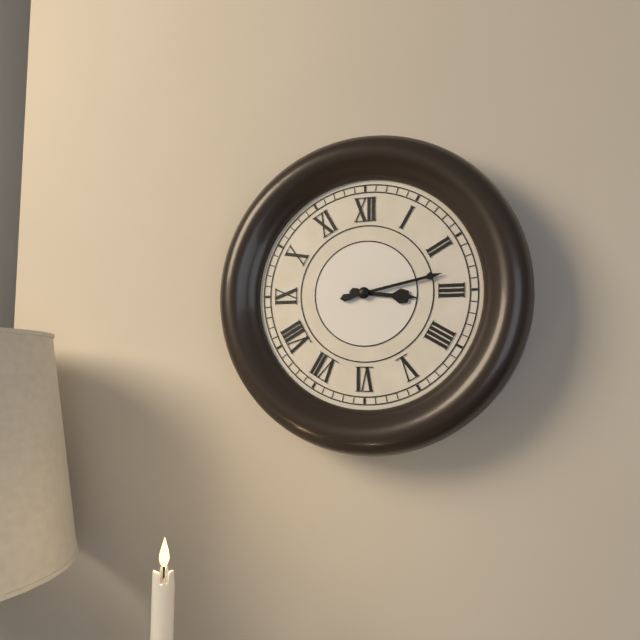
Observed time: 3:13
